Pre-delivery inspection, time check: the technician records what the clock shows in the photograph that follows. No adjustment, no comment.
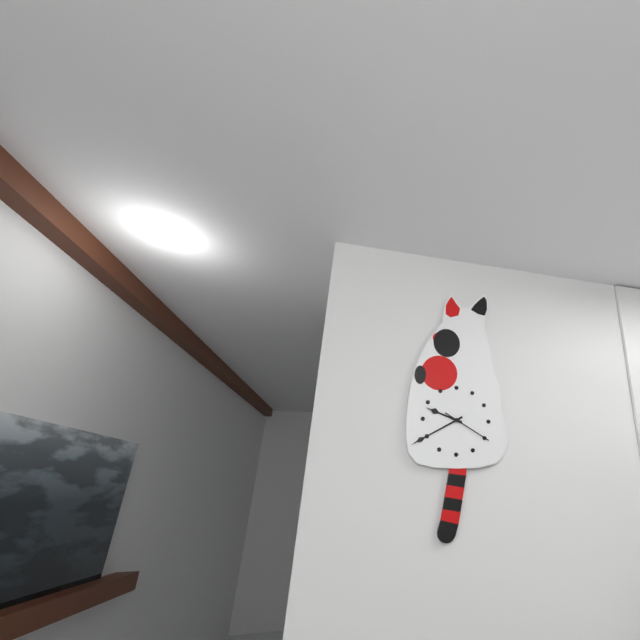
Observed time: 9:40
